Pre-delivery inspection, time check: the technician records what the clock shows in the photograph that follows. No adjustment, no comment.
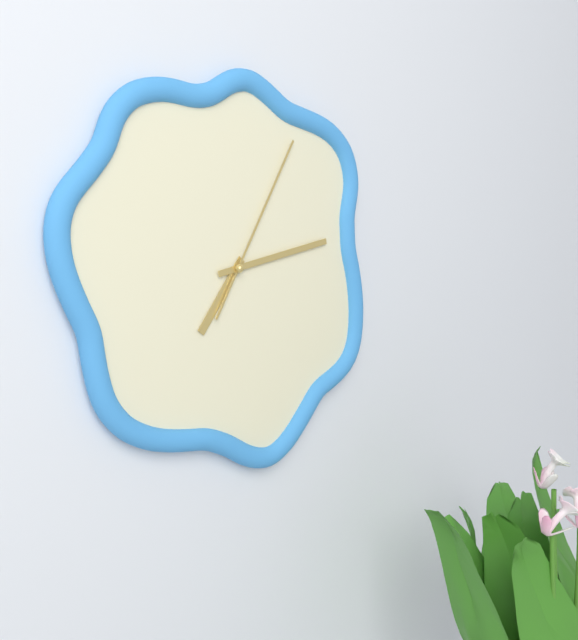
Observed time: 7:13:05
